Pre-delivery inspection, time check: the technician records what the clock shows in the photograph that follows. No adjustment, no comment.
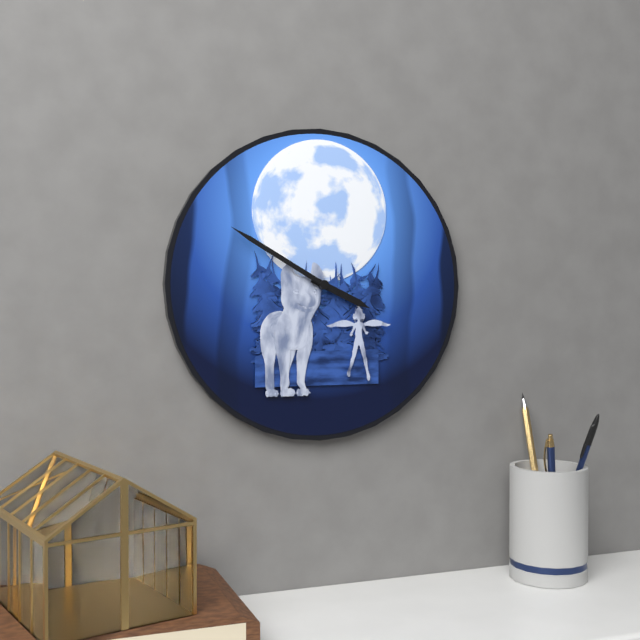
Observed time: 3:50
